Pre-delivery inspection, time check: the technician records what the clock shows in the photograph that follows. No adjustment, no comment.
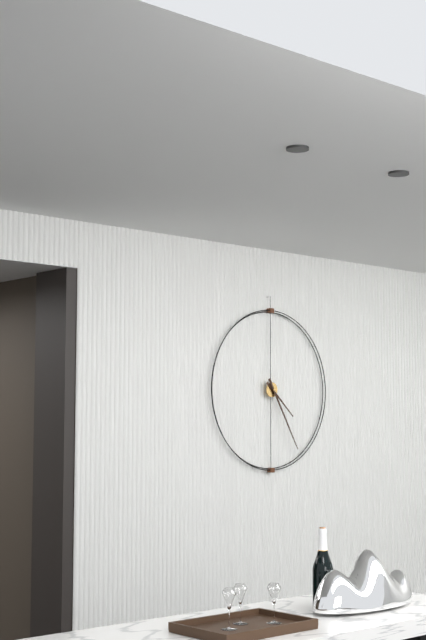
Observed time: 4:25
